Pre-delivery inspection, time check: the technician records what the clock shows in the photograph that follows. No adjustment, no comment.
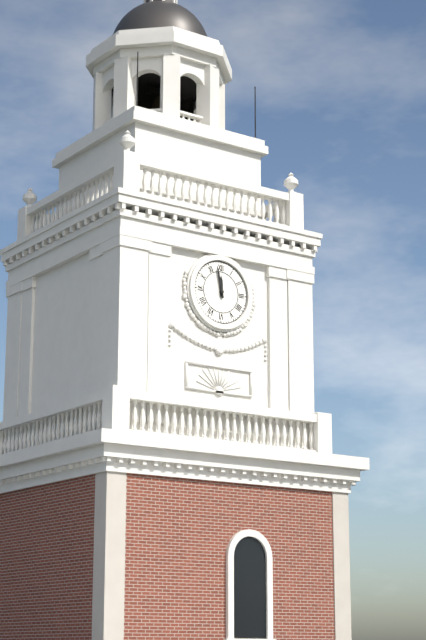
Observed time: 11:58
